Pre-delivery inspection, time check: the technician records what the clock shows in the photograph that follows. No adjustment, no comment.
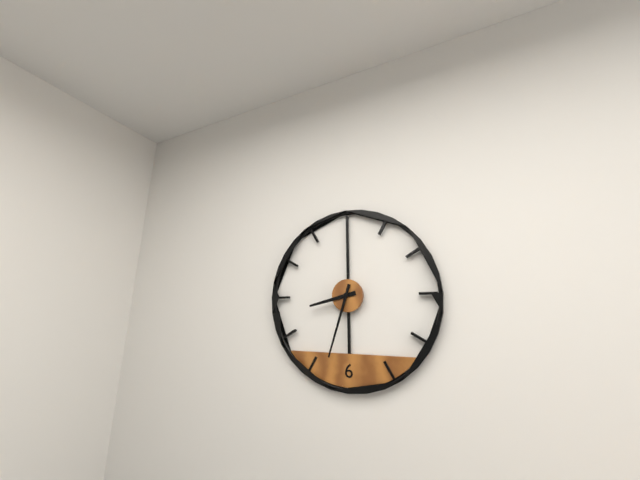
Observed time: 8:33
